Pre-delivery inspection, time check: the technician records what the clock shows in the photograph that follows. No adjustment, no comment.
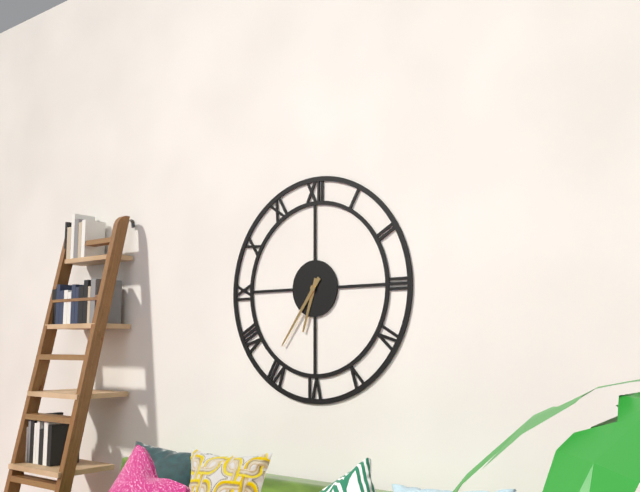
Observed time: 6:36
